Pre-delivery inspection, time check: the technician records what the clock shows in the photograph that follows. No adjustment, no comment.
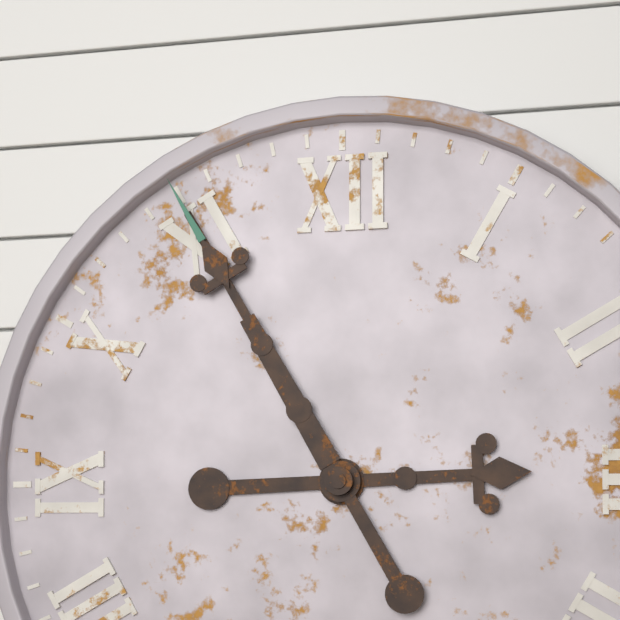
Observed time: 2:55
